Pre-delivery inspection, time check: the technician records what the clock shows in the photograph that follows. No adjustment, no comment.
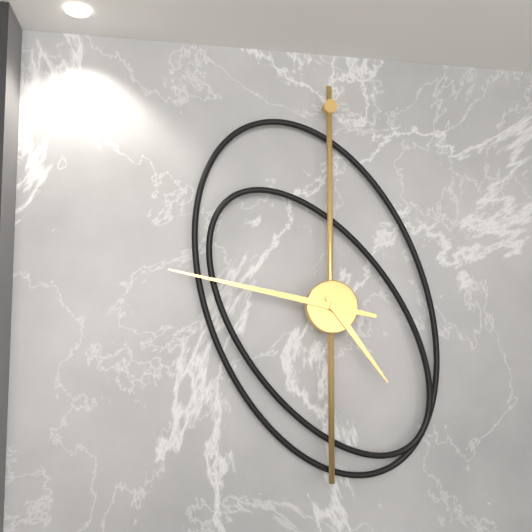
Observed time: 4:47
